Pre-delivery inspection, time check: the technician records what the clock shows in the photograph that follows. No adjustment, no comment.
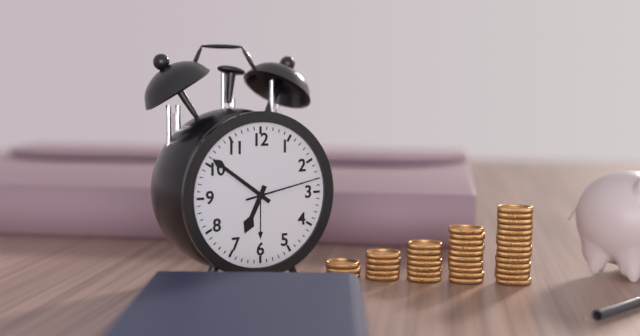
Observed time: 6:51:13
